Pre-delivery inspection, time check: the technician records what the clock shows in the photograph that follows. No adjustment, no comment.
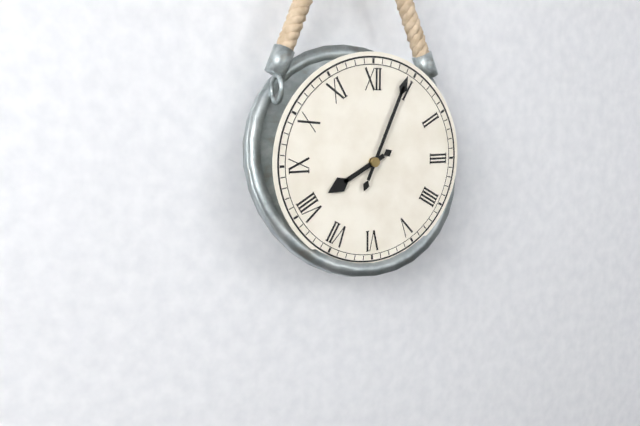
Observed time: 8:04
